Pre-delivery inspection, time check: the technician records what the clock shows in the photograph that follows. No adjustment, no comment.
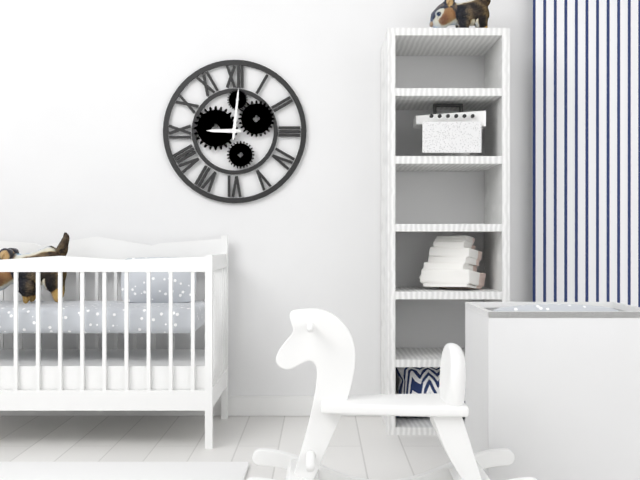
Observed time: 9:01
